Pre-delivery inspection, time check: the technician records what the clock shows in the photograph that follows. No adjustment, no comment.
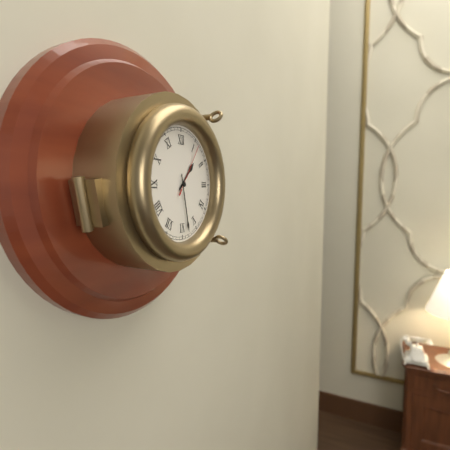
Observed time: 1:28:06
